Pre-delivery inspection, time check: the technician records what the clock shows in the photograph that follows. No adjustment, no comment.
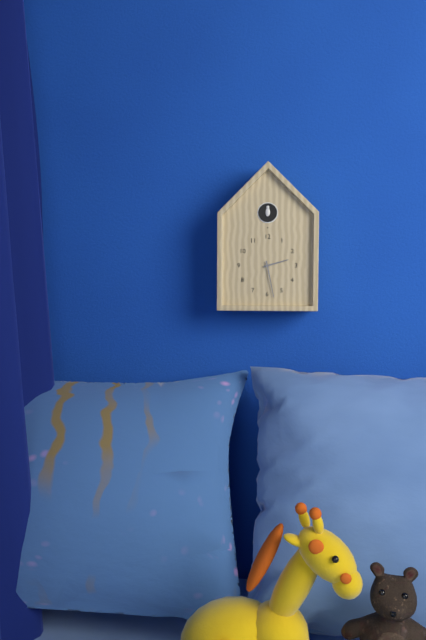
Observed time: 2:28
